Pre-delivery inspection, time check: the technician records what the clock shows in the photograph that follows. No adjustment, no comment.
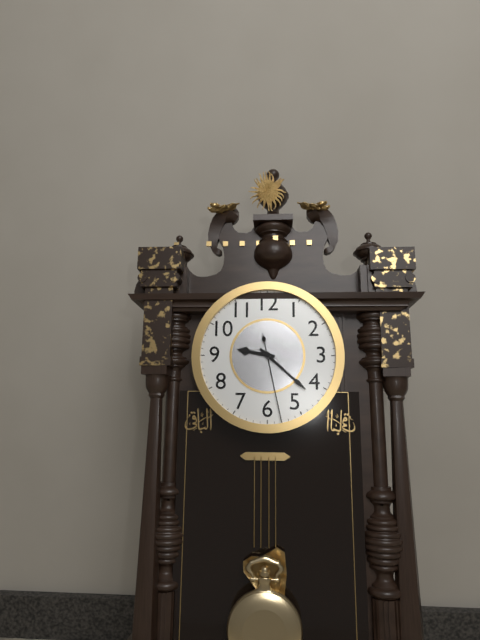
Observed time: 9:22:28
